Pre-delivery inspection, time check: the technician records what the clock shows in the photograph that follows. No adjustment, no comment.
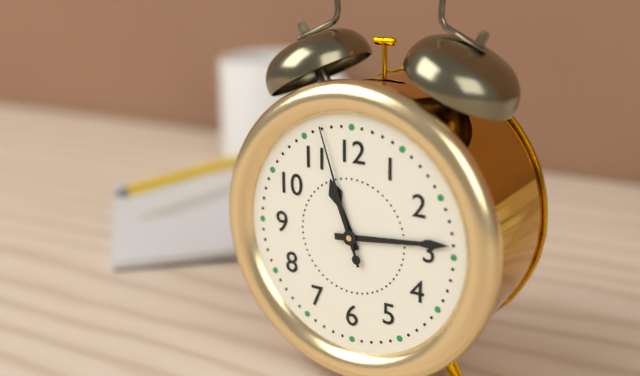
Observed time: 11:14:57
